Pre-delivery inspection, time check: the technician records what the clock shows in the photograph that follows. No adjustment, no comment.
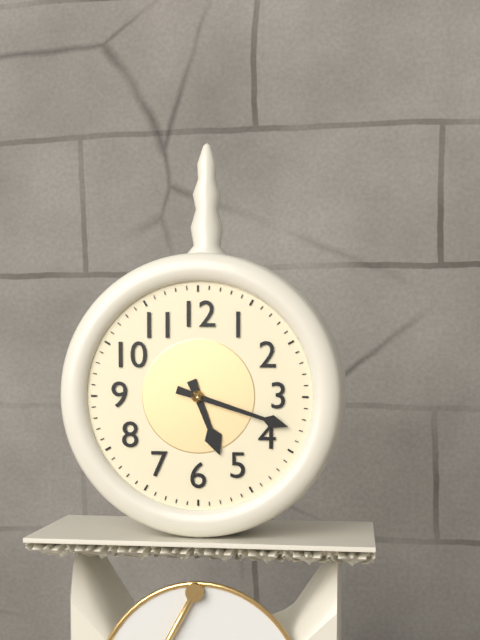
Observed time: 5:18
